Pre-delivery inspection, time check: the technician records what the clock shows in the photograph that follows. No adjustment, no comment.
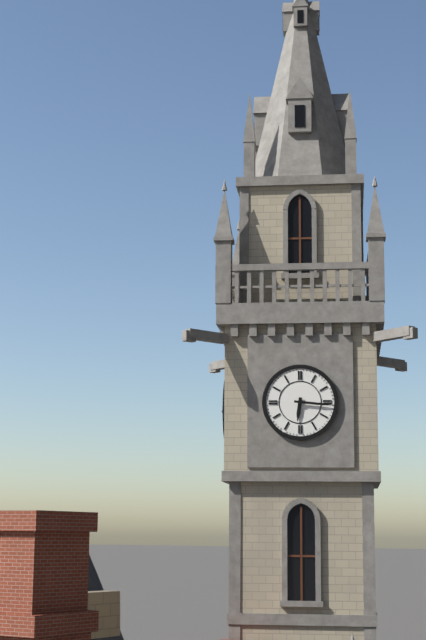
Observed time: 6:16
